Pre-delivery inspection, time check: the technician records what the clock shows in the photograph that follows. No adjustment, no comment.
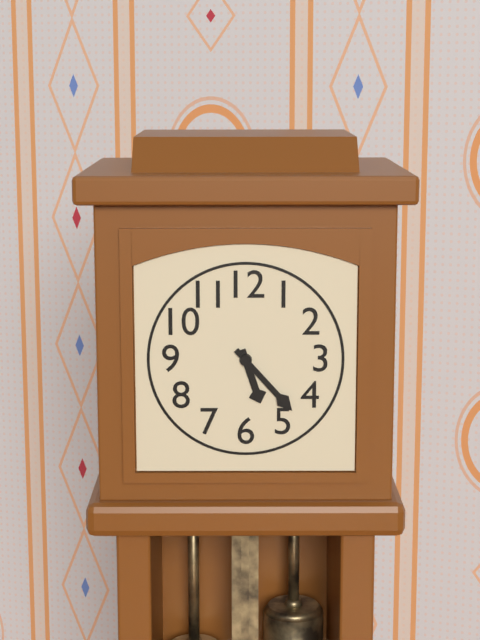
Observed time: 5:23
